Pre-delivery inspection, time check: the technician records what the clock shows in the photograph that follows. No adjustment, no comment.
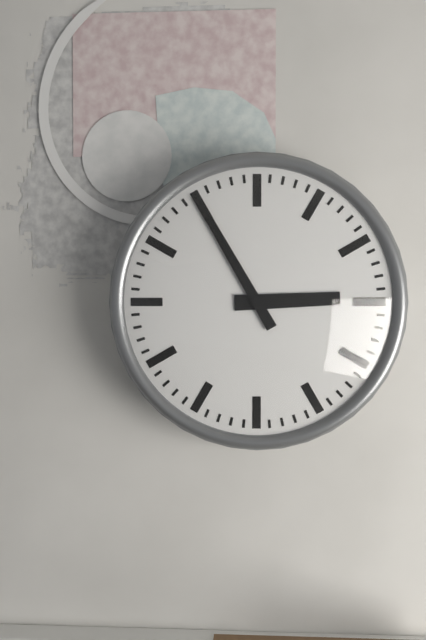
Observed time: 2:55
